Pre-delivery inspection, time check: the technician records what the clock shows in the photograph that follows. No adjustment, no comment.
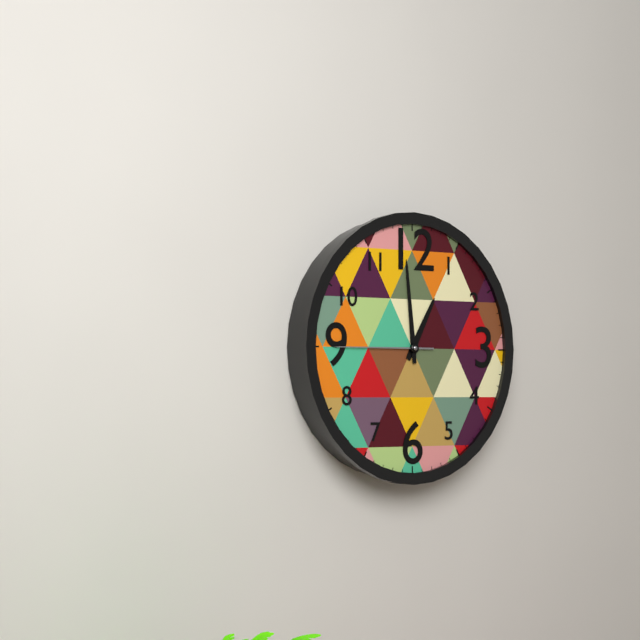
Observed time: 12:59:45
